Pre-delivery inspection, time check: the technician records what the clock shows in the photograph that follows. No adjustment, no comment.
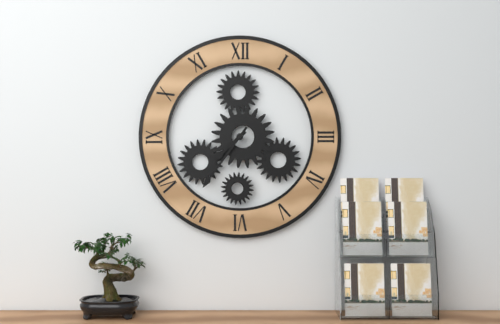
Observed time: 7:36
